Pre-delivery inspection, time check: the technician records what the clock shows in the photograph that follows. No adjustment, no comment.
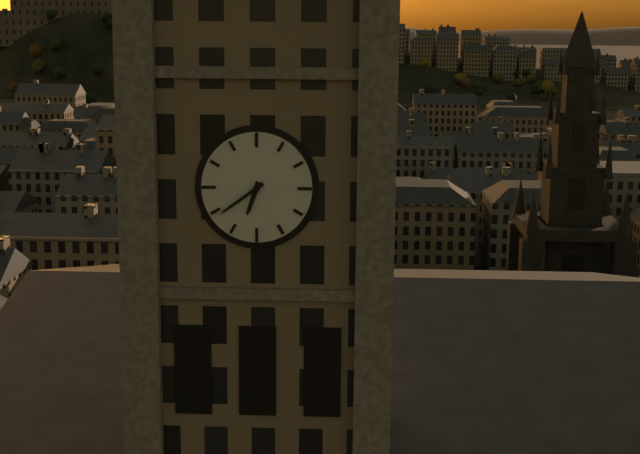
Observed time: 6:39
